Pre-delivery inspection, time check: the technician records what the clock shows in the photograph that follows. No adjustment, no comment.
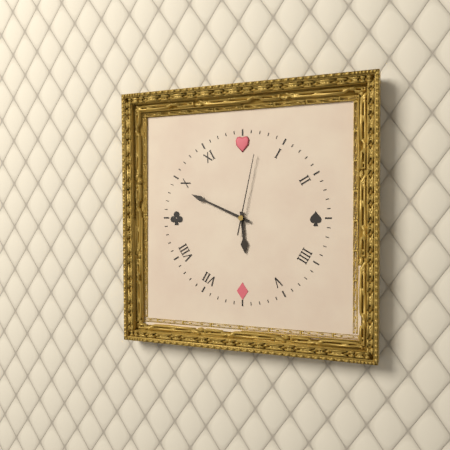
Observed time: 5:49:02
